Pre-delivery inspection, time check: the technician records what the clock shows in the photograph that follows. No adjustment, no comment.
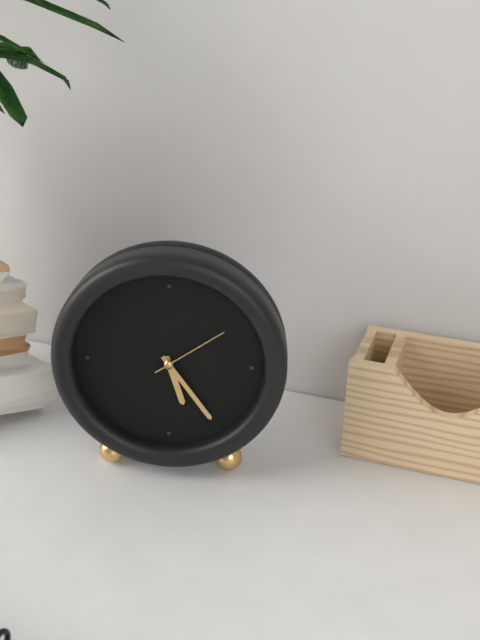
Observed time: 5:24:09
